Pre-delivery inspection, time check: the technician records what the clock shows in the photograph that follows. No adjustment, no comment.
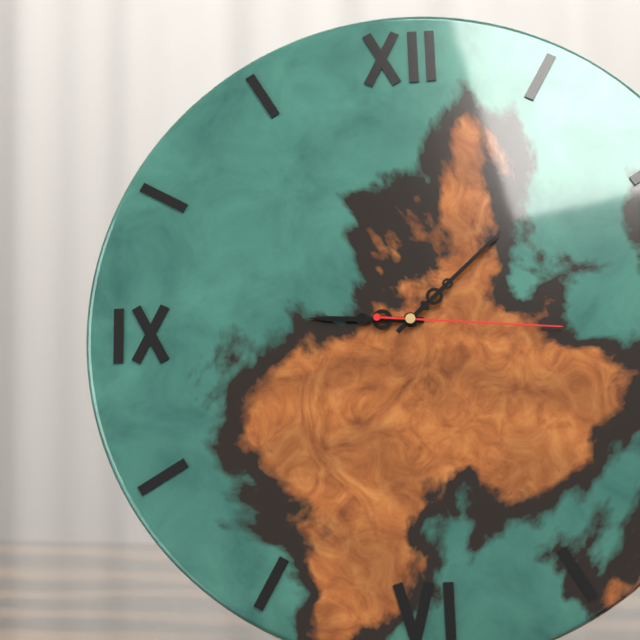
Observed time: 9:08:16
